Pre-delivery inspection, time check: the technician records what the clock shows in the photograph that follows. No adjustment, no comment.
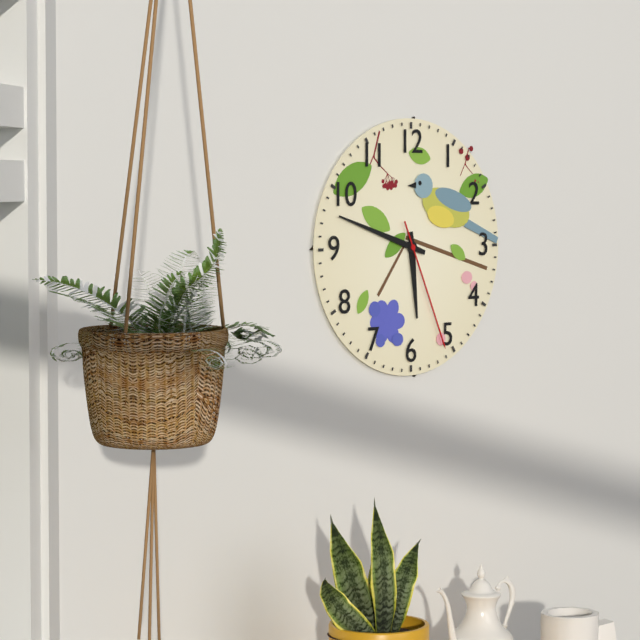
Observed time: 5:48:26
